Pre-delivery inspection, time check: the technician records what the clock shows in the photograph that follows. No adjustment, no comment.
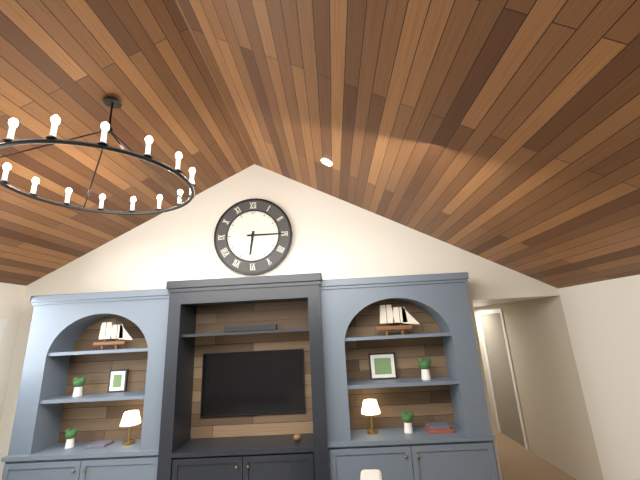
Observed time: 6:15
